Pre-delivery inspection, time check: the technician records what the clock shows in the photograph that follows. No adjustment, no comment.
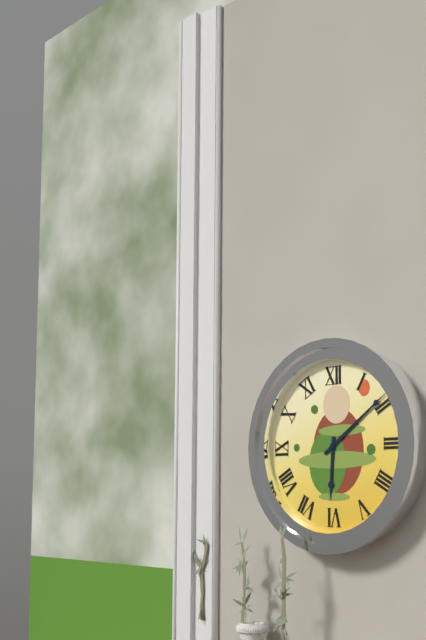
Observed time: 6:09
